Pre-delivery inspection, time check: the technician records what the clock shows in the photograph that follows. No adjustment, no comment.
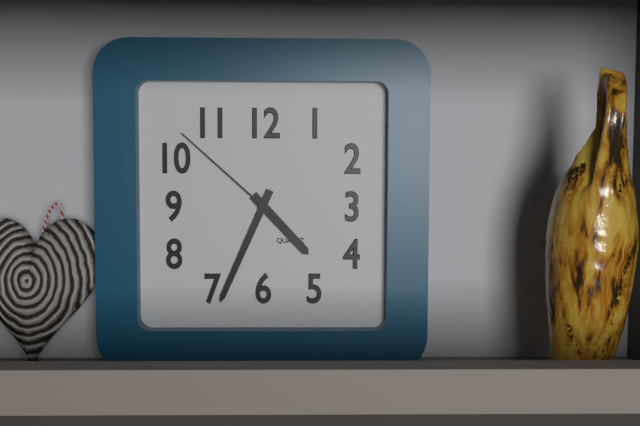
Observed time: 4:34:52
